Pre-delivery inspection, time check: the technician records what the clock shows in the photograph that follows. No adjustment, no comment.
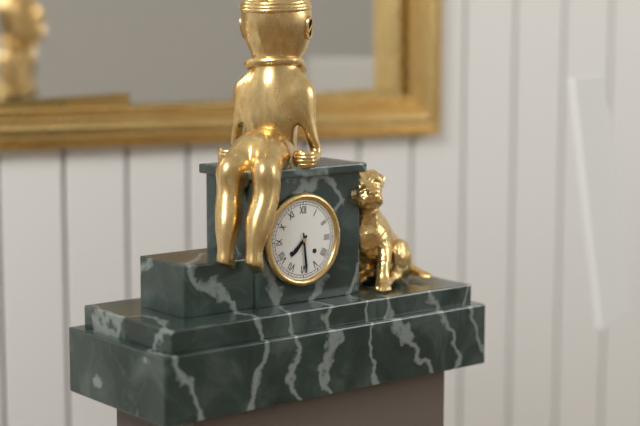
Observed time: 7:29
